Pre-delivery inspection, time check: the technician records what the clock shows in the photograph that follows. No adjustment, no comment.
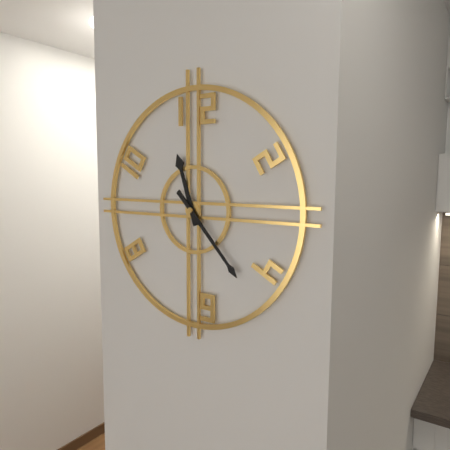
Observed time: 11:23
